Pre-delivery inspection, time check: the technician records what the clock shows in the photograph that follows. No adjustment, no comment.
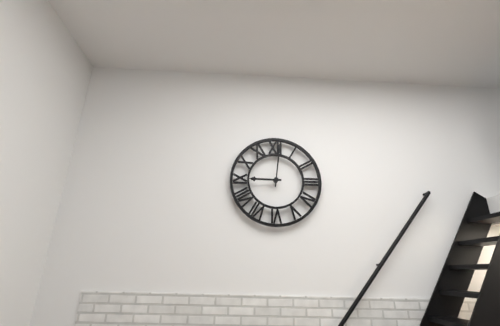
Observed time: 9:01
